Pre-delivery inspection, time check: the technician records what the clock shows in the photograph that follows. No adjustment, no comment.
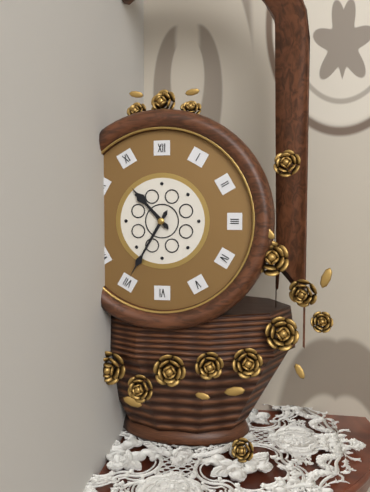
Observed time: 10:35
